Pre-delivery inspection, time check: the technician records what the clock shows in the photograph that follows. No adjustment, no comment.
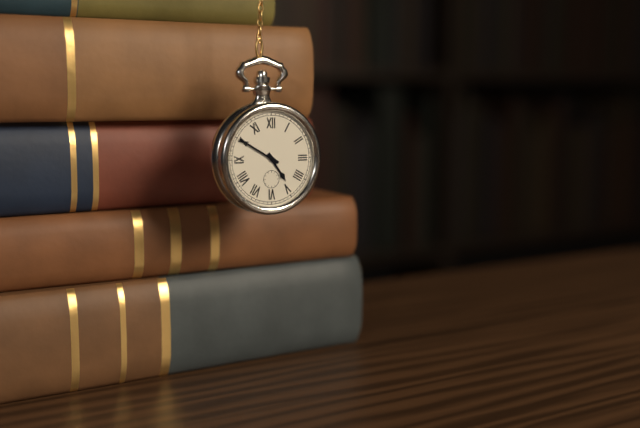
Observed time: 4:50
